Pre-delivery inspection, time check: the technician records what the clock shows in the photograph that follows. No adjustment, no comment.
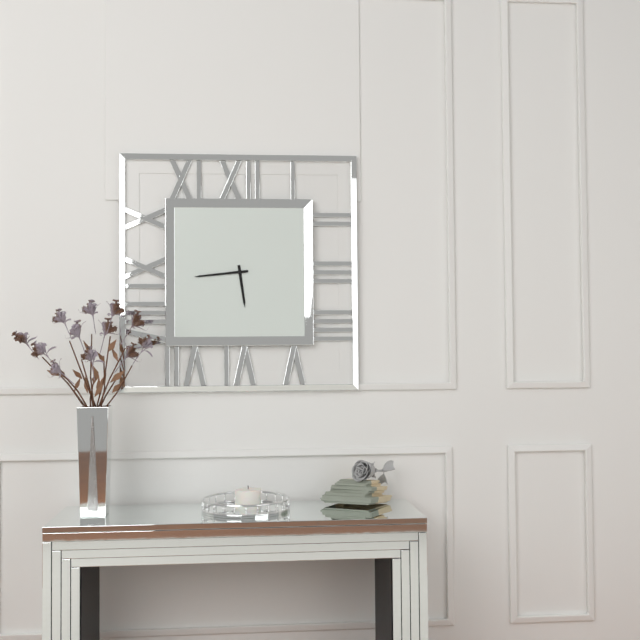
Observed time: 5:44
